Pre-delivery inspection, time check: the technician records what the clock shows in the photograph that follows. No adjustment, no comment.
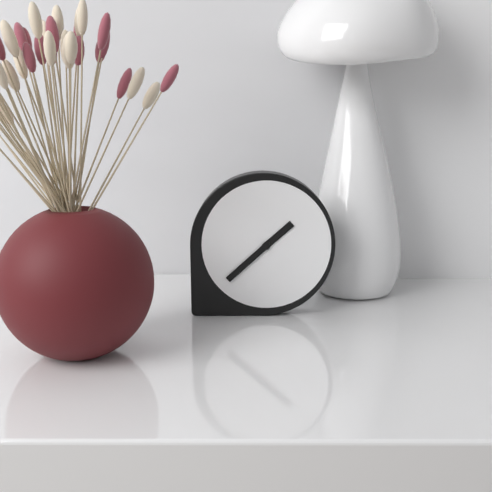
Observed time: 1:38
